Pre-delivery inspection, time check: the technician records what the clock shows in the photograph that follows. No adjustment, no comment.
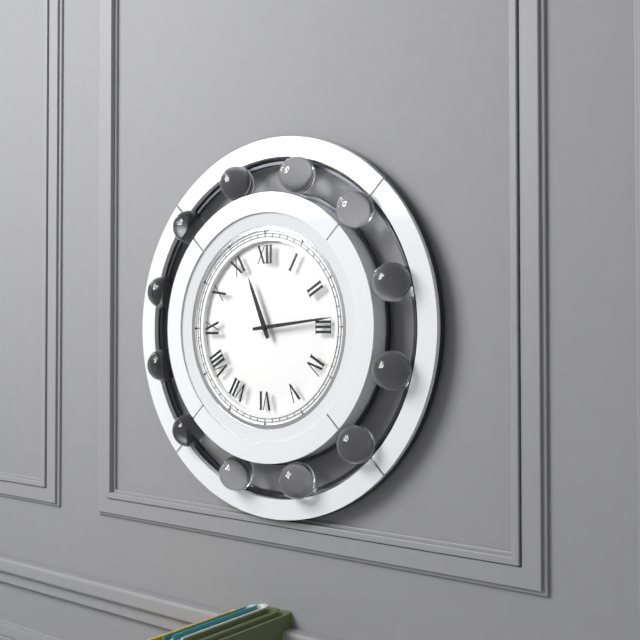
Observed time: 11:14
